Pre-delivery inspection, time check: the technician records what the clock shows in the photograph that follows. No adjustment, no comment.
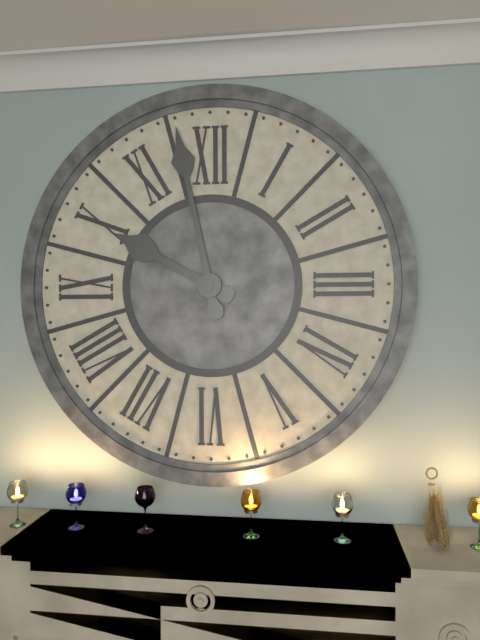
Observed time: 9:58
